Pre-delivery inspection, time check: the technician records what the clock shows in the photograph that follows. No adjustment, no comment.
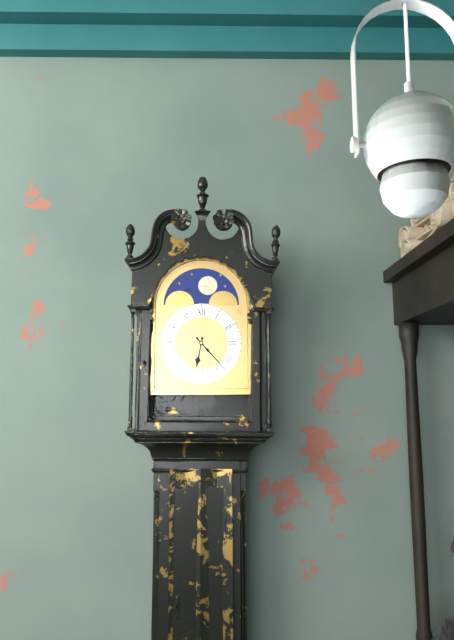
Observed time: 6:23
